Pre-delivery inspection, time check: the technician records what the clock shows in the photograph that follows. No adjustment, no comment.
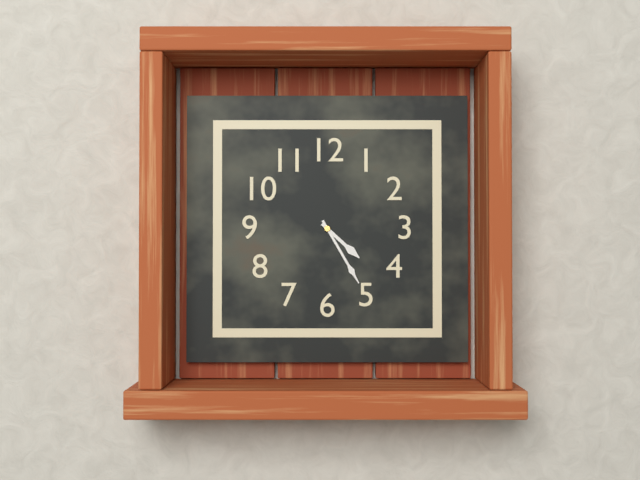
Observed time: 4:25
